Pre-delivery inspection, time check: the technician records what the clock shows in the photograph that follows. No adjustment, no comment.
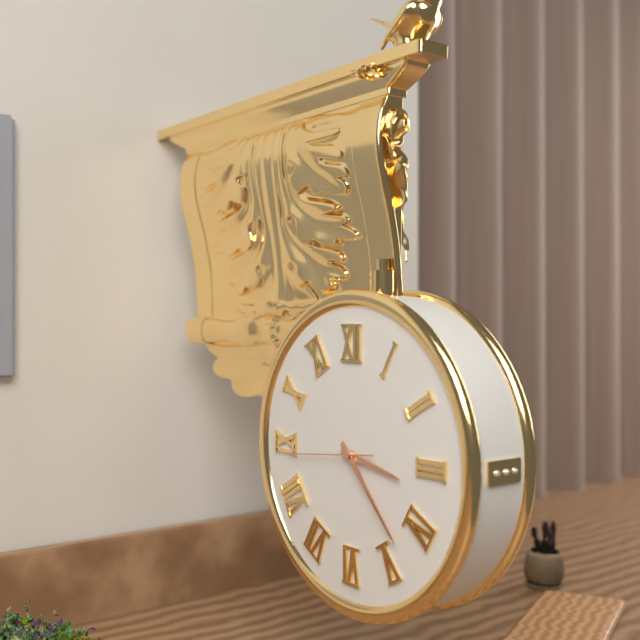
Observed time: 3:23:44
